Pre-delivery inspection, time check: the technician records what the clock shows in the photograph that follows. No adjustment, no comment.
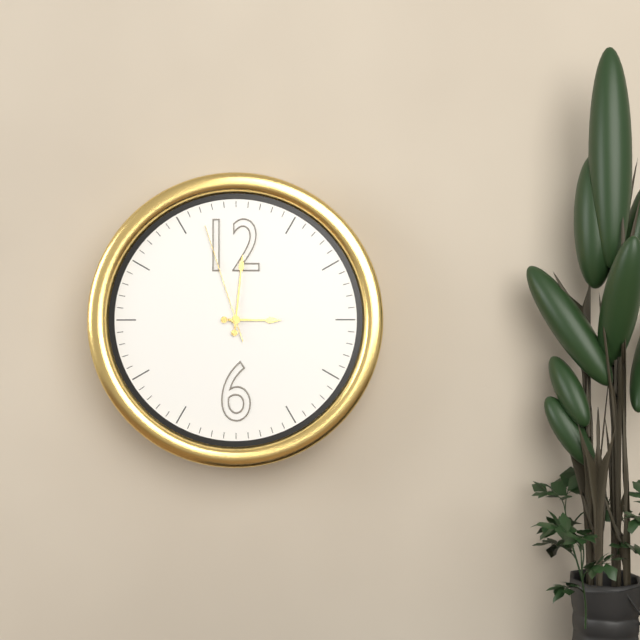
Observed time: 3:01:57
